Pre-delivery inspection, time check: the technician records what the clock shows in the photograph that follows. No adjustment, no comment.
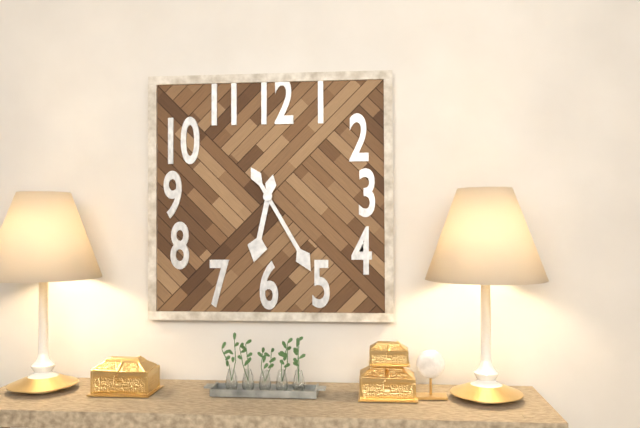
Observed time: 6:25
